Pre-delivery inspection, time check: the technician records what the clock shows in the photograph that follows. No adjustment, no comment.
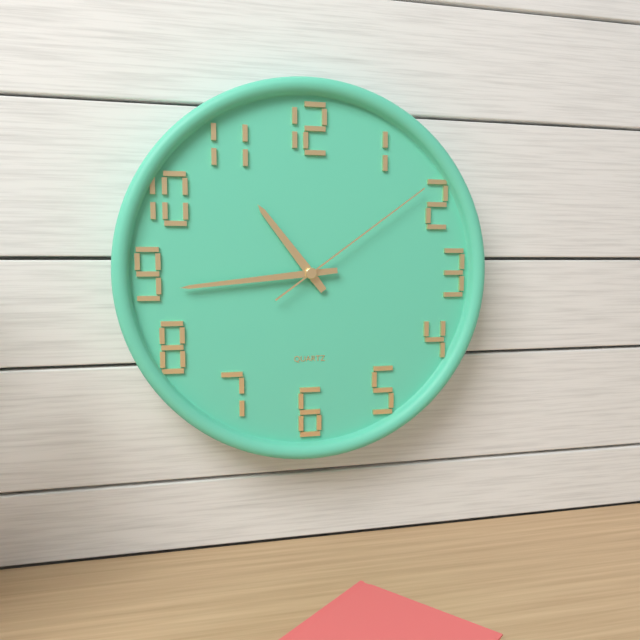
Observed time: 10:44:09
